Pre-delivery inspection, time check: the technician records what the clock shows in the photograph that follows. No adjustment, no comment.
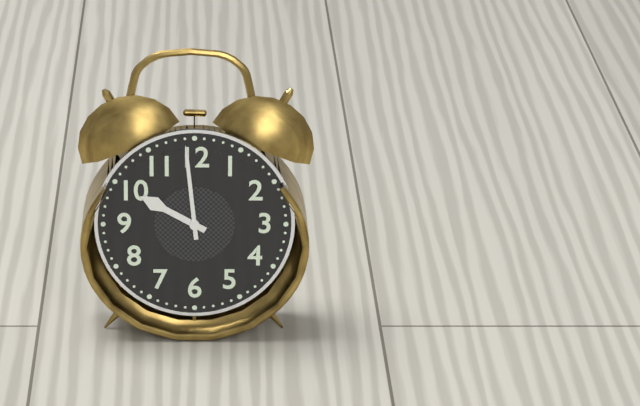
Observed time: 9:59
